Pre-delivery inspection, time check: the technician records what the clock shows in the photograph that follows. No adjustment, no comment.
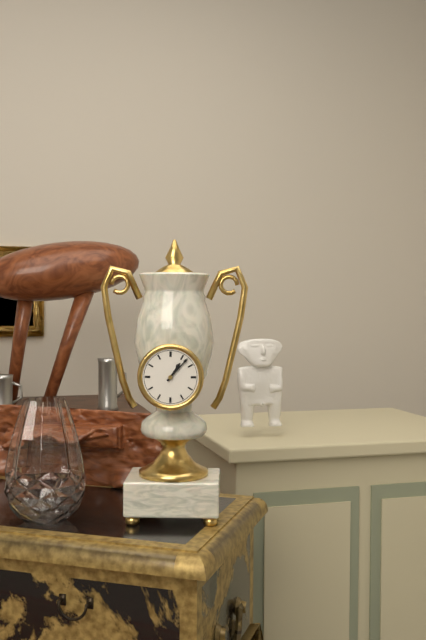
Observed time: 1:07
